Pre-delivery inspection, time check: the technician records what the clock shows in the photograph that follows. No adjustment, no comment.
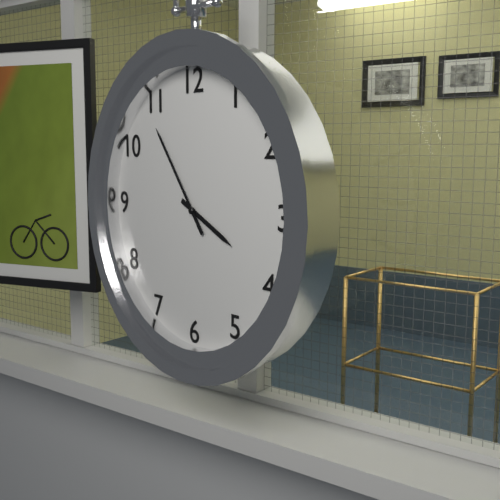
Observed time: 3:54
